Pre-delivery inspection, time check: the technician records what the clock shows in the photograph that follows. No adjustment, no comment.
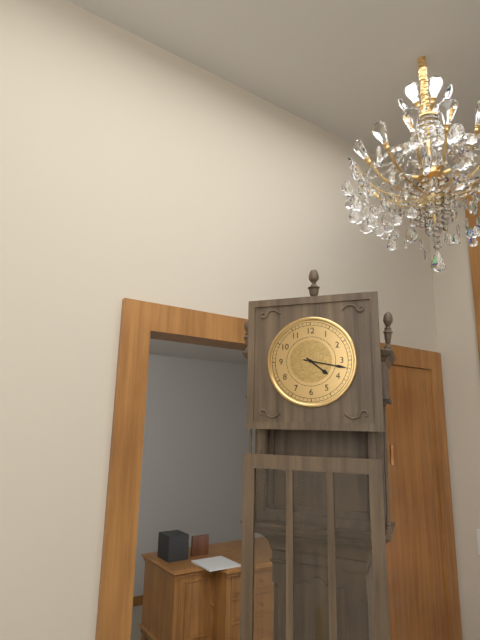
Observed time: 4:17
